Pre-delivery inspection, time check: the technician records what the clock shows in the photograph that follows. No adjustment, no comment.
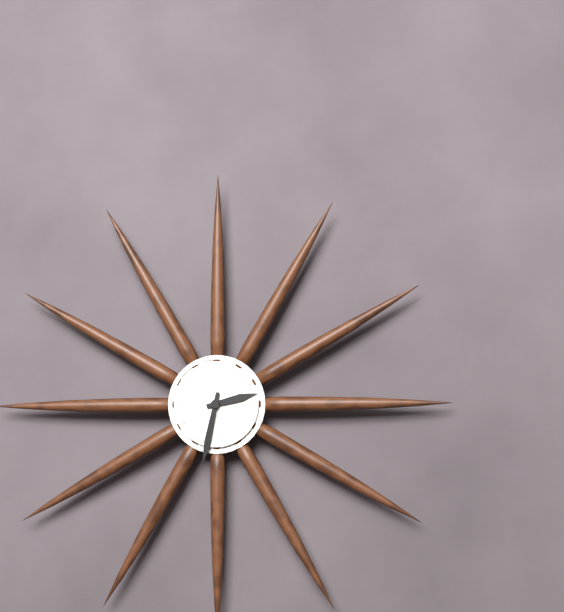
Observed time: 2:32
